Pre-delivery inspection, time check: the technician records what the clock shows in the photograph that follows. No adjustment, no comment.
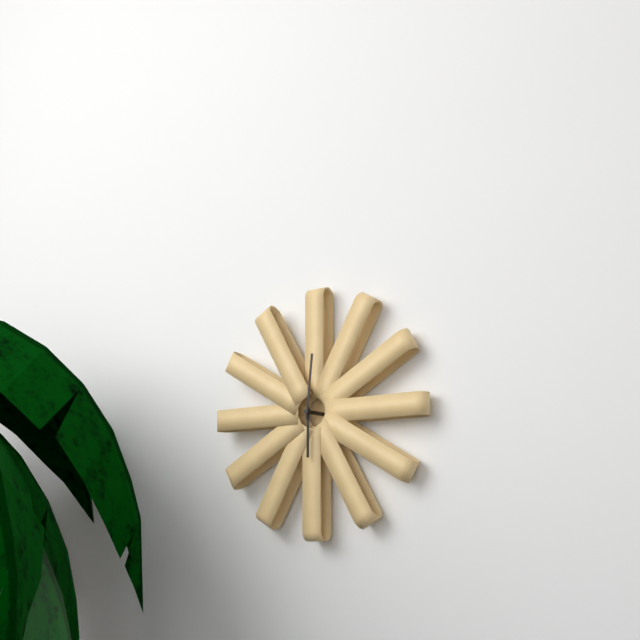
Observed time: 6:01
